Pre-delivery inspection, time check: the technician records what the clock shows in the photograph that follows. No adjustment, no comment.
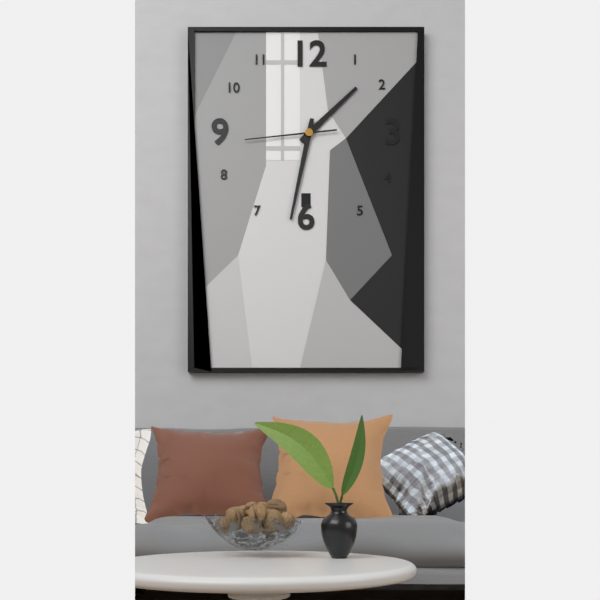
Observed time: 1:32:44
